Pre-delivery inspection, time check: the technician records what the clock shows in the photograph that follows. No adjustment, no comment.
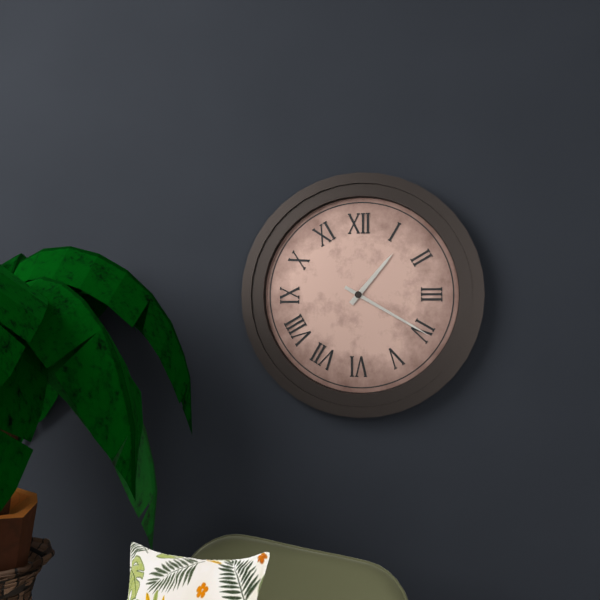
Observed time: 1:20
